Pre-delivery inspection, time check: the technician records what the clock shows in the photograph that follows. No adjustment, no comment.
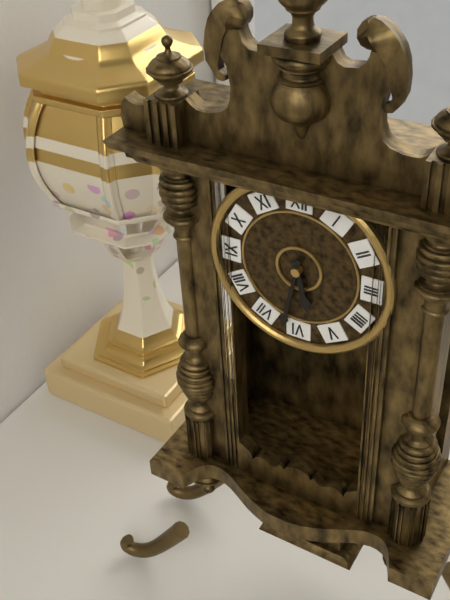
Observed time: 5:32
